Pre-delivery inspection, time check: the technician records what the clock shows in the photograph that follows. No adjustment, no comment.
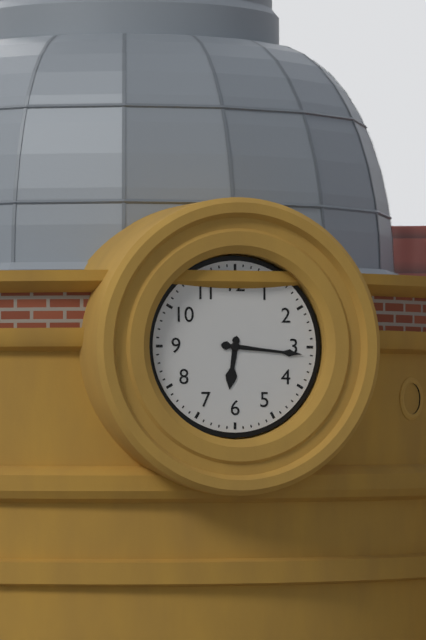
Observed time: 6:16
